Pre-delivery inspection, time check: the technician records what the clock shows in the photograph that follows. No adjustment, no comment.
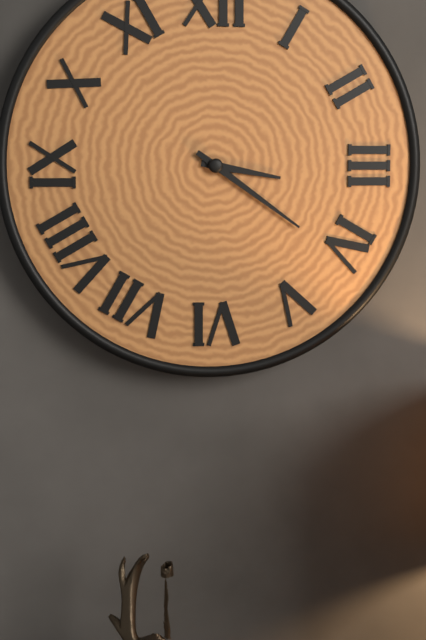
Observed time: 3:21
